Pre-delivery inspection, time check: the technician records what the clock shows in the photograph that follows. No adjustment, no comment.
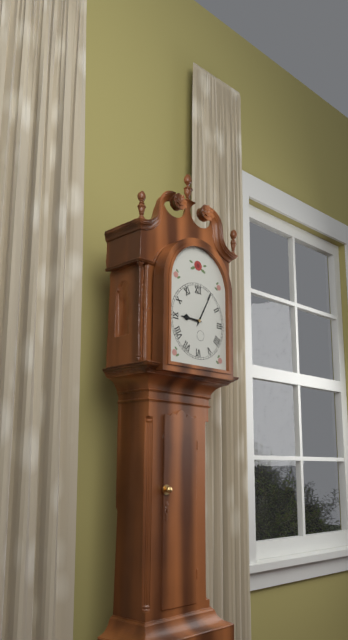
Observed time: 9:05
